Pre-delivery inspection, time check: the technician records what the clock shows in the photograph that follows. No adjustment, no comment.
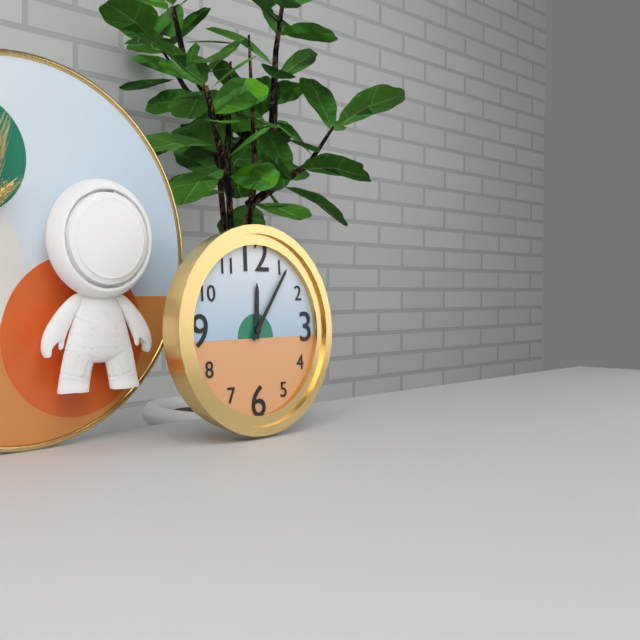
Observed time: 12:06
